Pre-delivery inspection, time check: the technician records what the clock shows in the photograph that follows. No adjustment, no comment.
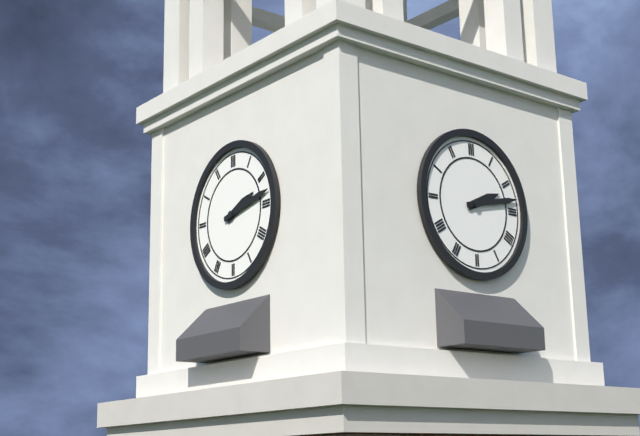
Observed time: 2:13
